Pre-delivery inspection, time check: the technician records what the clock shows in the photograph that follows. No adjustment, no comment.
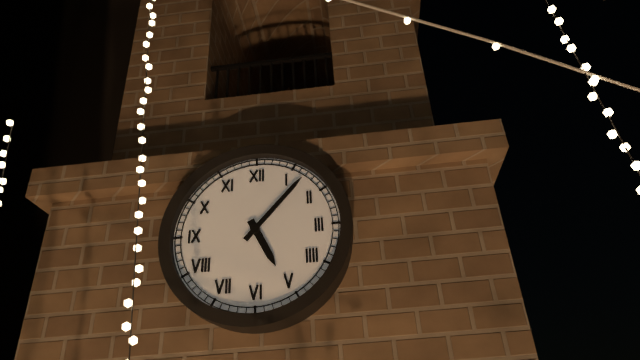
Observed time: 5:07
